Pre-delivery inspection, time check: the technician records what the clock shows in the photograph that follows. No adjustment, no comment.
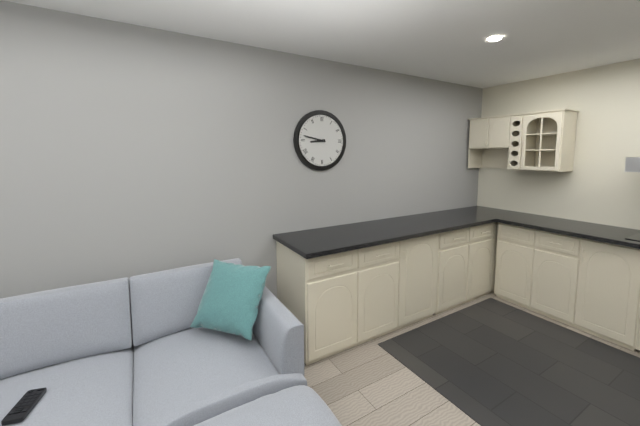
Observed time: 8:47
